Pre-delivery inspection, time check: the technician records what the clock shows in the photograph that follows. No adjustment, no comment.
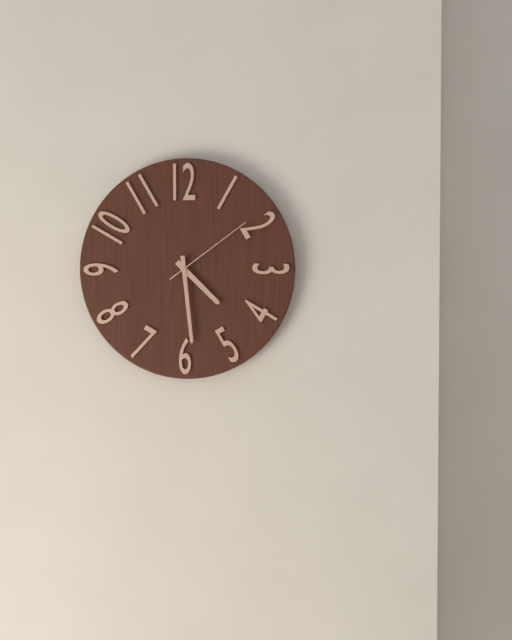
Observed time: 4:29:09
